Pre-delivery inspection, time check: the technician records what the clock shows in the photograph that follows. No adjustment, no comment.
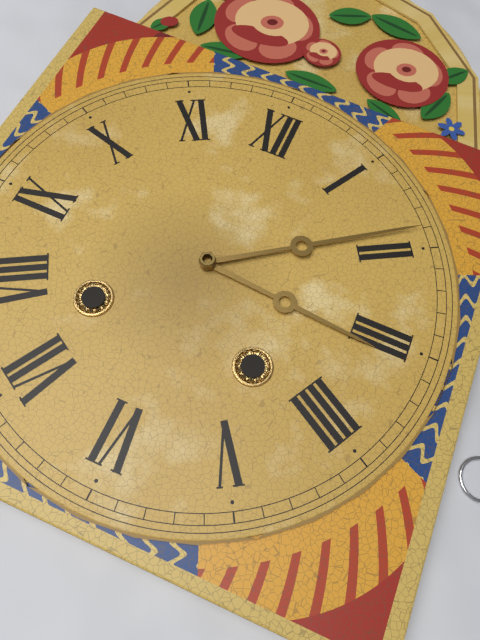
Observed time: 3:09
